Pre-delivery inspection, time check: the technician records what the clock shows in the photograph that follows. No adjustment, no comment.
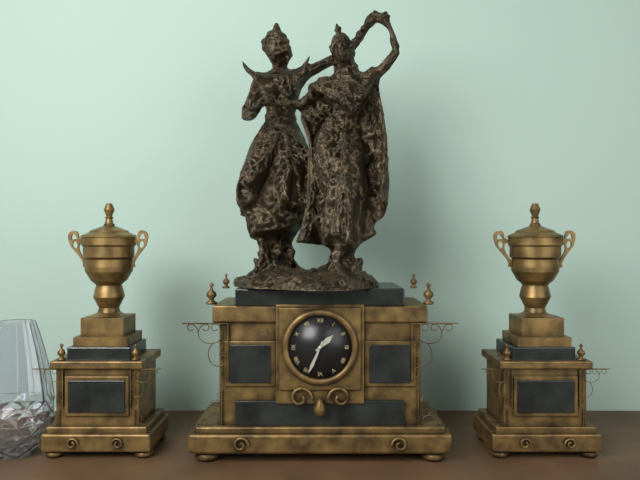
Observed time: 1:34
